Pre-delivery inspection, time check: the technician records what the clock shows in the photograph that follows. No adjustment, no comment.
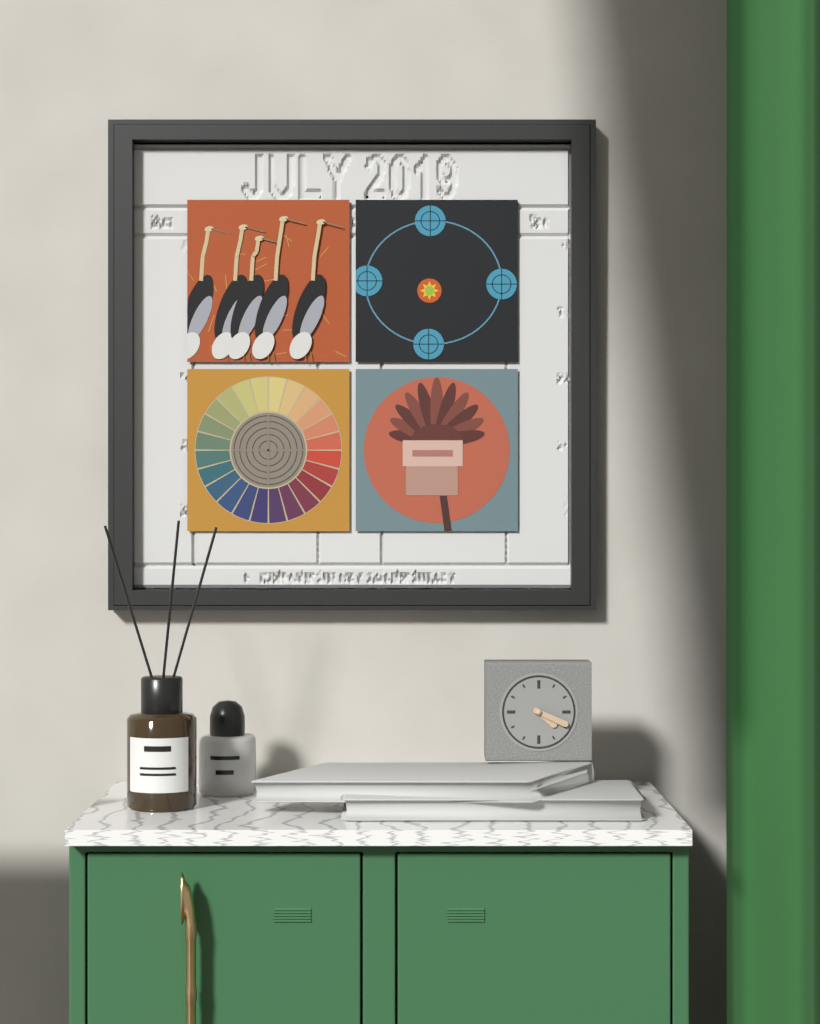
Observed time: 4:19
